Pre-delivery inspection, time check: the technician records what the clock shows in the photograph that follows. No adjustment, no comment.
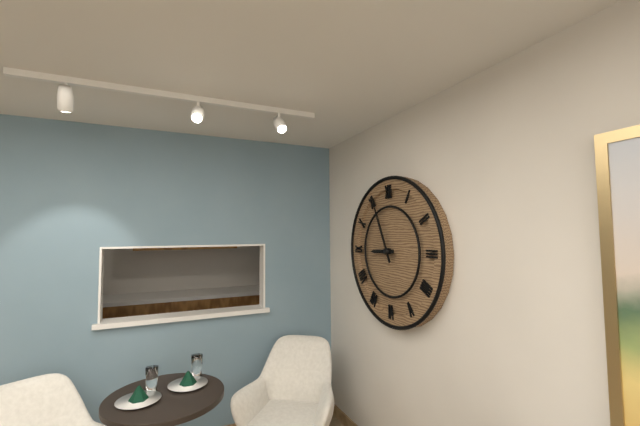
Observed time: 8:56
